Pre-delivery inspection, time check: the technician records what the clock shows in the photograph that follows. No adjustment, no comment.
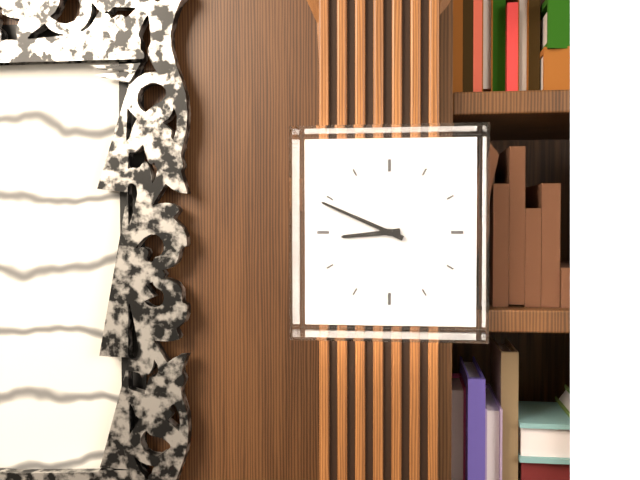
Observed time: 8:49
